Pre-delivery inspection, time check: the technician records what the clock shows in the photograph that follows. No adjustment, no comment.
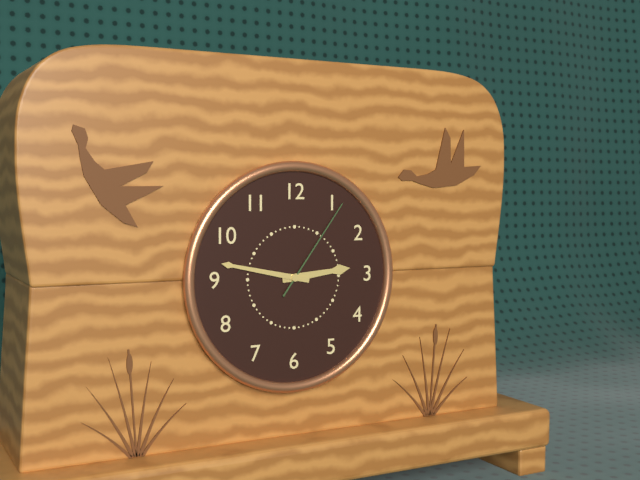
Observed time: 2:47:06
